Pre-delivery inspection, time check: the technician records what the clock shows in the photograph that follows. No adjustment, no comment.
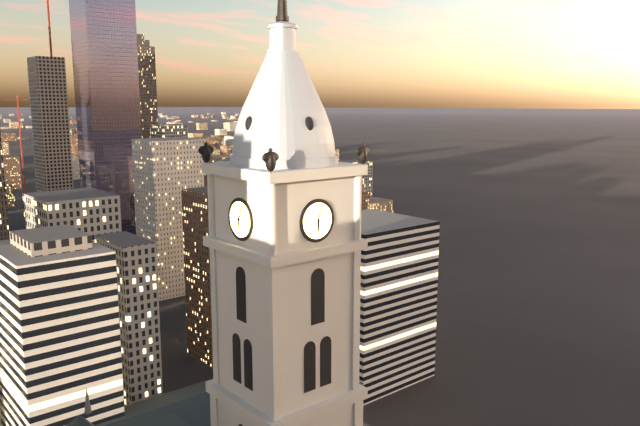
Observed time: 6:03
